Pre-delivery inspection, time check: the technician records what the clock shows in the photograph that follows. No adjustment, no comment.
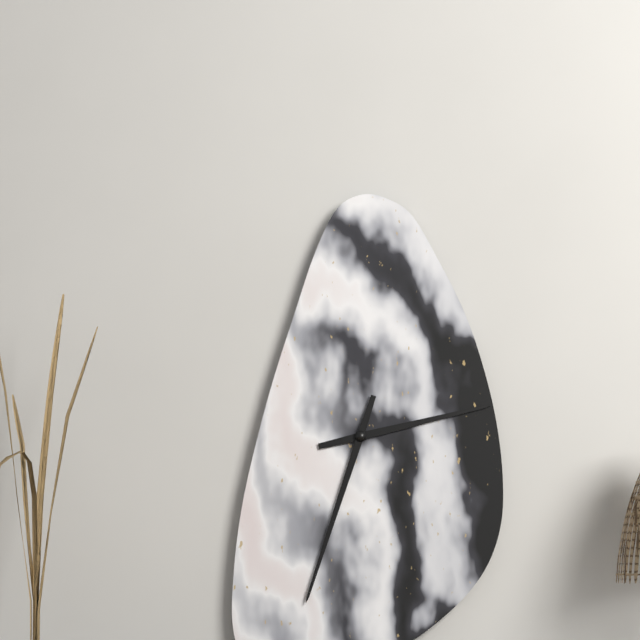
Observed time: 2:33
